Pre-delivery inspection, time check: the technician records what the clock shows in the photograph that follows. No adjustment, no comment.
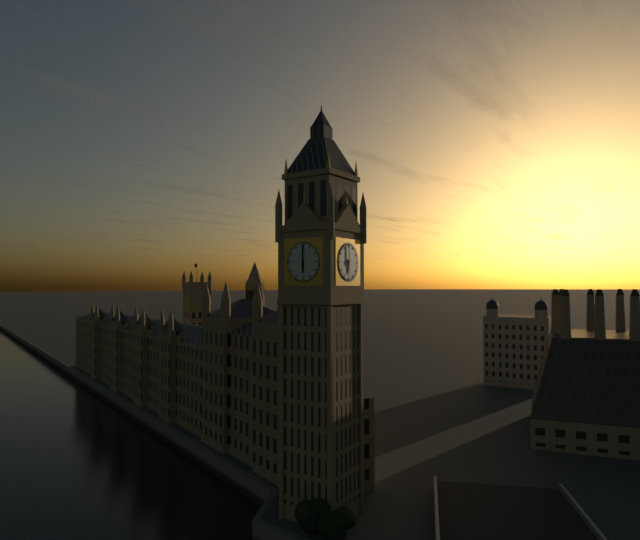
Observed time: 6:00
